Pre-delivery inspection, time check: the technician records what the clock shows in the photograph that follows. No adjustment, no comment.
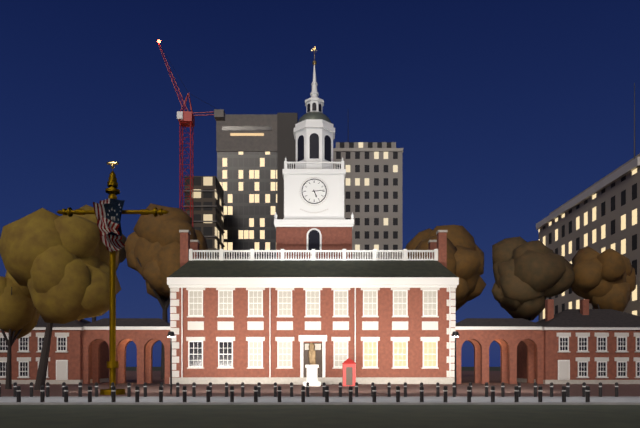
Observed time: 5:14
